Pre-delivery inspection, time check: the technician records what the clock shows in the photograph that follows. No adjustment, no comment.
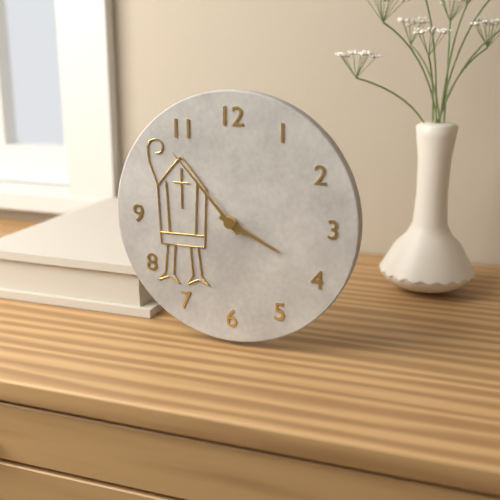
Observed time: 3:53
